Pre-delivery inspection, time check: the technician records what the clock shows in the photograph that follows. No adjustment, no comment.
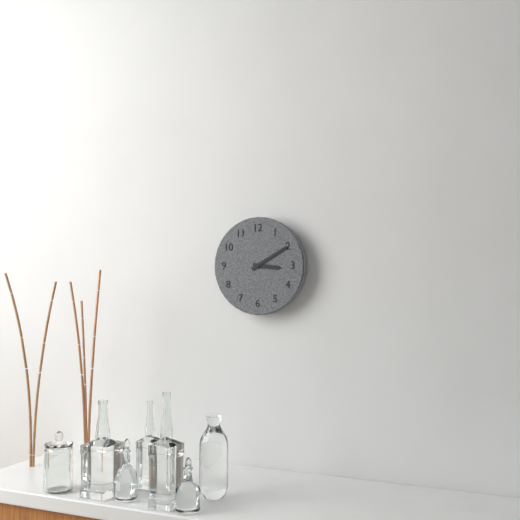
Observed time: 3:10
